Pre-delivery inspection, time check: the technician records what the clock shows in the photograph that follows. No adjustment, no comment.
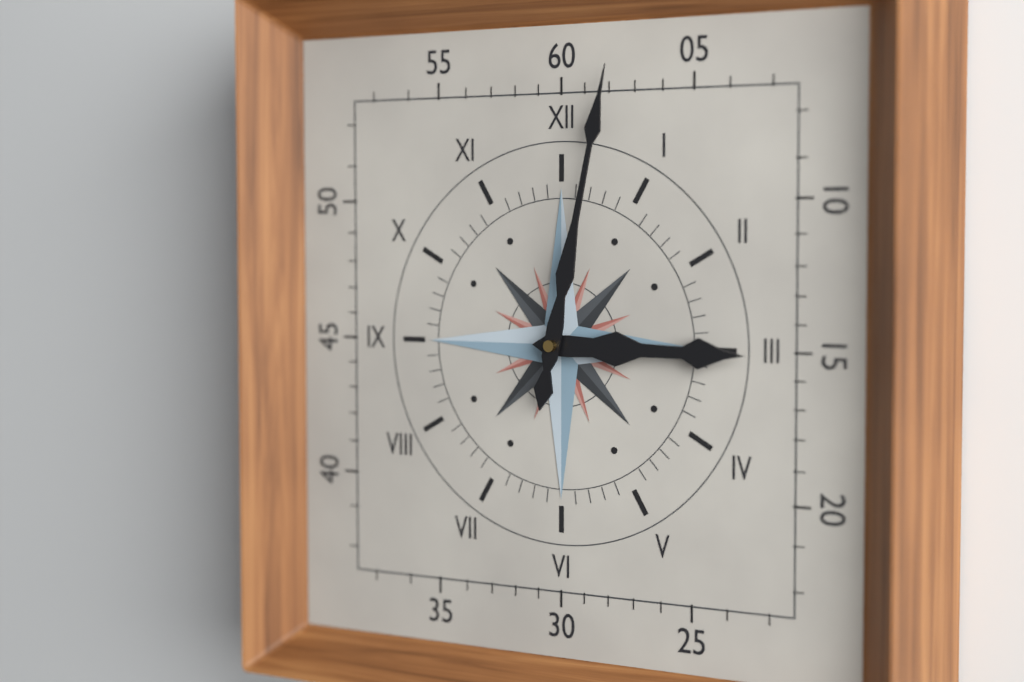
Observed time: 3:02
